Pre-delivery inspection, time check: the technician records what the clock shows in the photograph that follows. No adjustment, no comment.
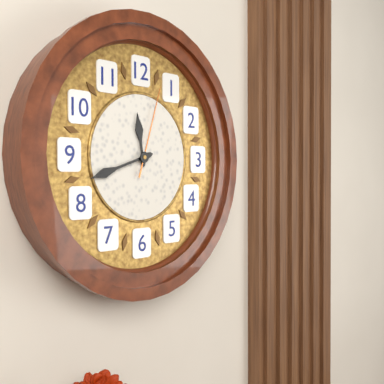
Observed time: 11:42:03
